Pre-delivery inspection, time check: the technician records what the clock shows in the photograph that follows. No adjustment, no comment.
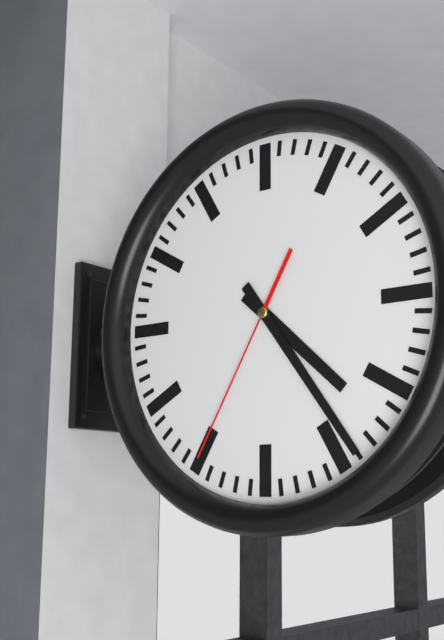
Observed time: 4:24:35
